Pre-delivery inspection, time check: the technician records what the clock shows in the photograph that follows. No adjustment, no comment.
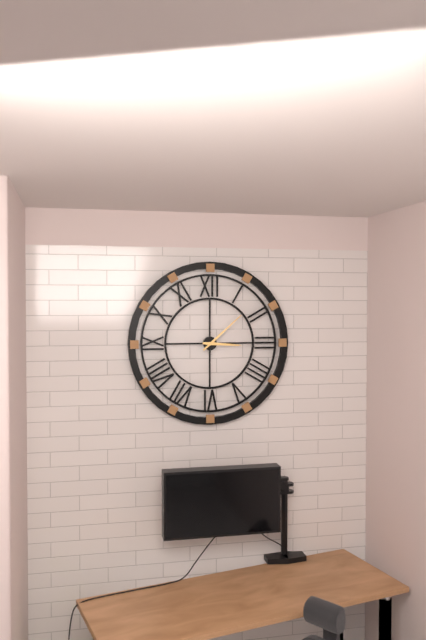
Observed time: 3:08
